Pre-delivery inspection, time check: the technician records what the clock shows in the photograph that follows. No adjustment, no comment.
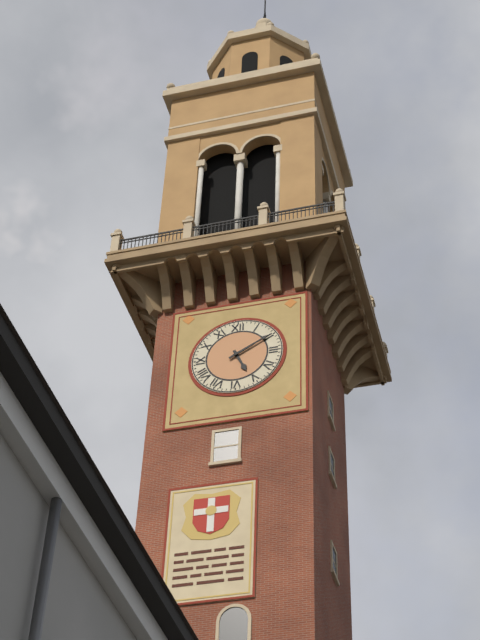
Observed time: 5:10
